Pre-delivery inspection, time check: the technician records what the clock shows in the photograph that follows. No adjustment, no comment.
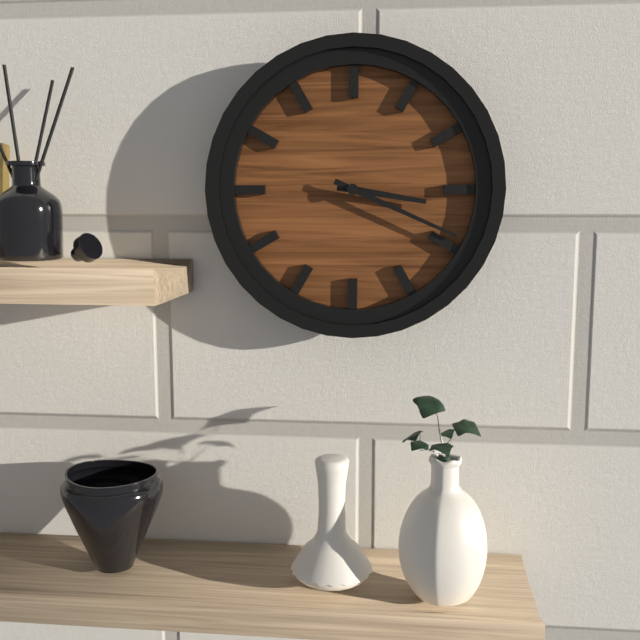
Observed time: 3:19
